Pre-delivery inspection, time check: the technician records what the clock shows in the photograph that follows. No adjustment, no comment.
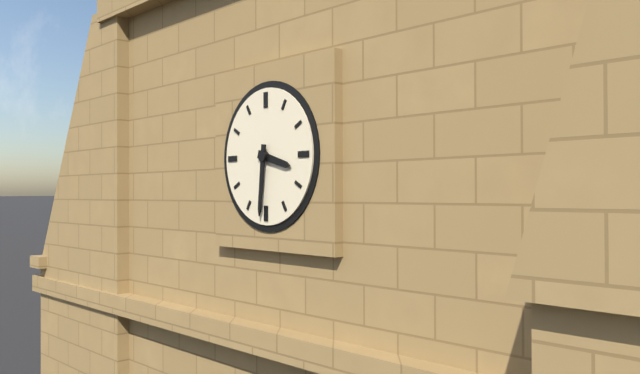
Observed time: 3:31
